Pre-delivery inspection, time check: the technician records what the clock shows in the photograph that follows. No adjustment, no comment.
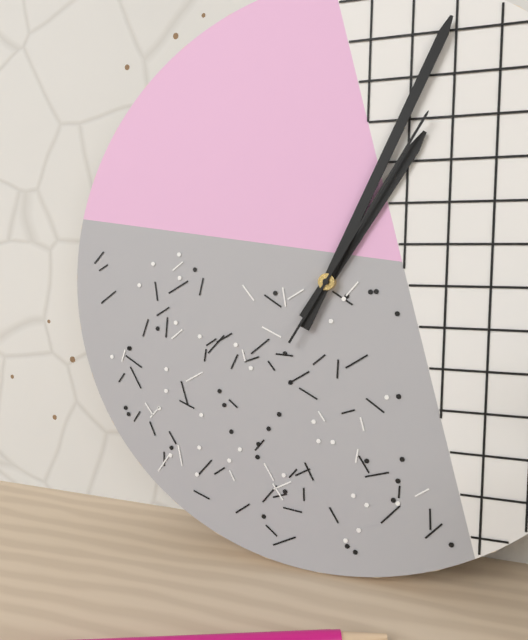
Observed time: 1:04:05
